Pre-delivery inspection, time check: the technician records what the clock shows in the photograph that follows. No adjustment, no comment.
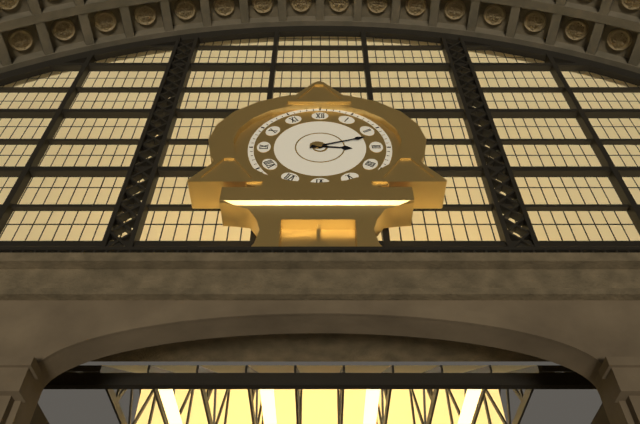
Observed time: 3:12
